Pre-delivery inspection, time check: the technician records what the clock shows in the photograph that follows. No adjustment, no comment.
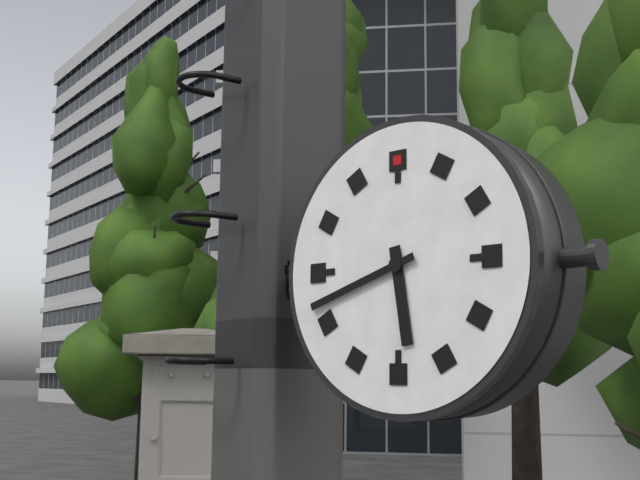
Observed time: 5:42
